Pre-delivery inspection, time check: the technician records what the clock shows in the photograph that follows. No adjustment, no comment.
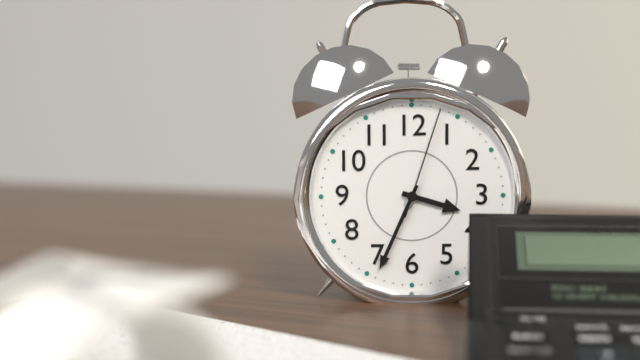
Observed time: 3:34:03
